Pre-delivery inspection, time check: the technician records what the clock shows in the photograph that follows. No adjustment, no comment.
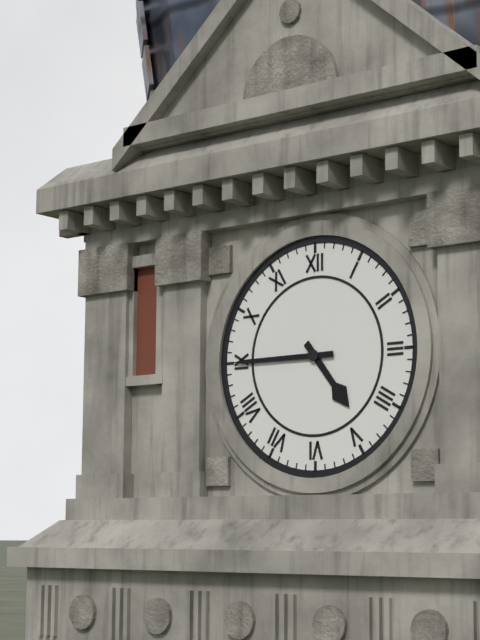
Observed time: 4:45
